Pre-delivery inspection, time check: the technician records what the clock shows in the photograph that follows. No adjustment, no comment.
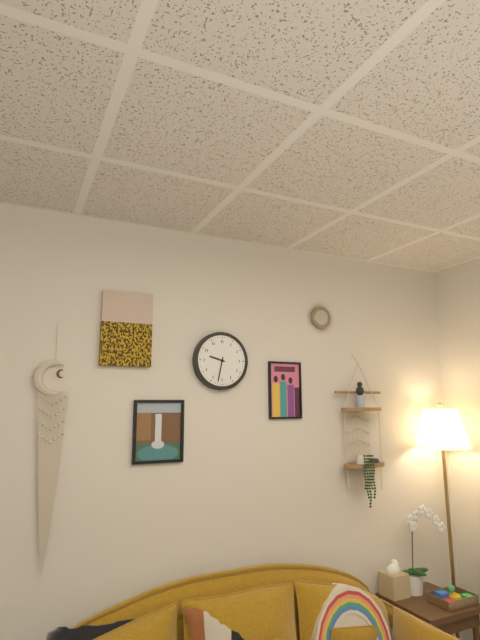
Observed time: 9:32
